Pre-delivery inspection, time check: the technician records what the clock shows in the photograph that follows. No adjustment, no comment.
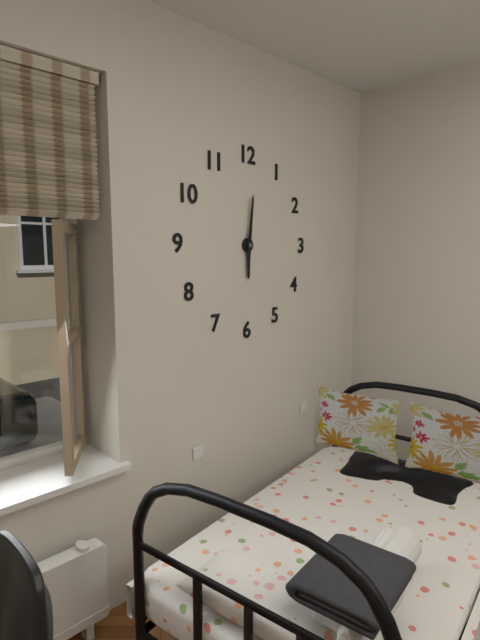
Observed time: 6:01
